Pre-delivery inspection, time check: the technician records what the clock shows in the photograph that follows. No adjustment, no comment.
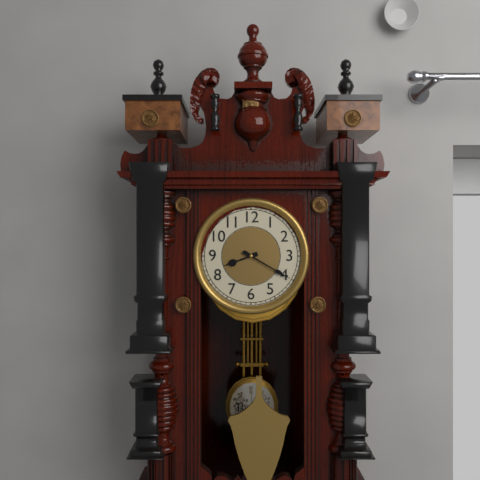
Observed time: 8:20
